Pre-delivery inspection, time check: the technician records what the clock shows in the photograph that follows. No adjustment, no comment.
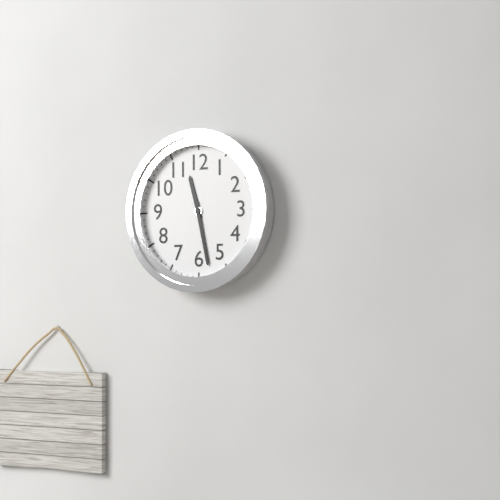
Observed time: 11:28
